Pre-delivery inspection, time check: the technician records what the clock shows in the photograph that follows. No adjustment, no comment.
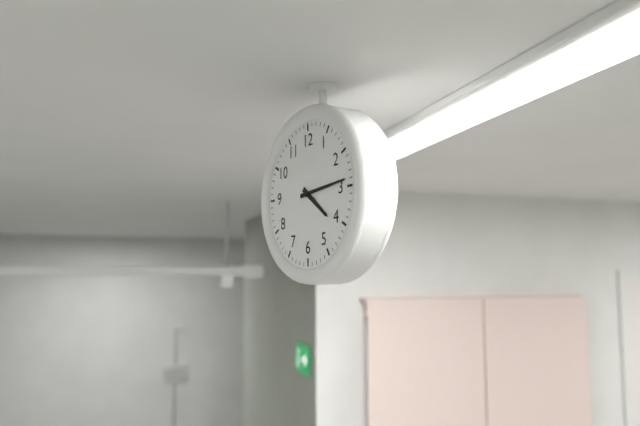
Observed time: 4:14
